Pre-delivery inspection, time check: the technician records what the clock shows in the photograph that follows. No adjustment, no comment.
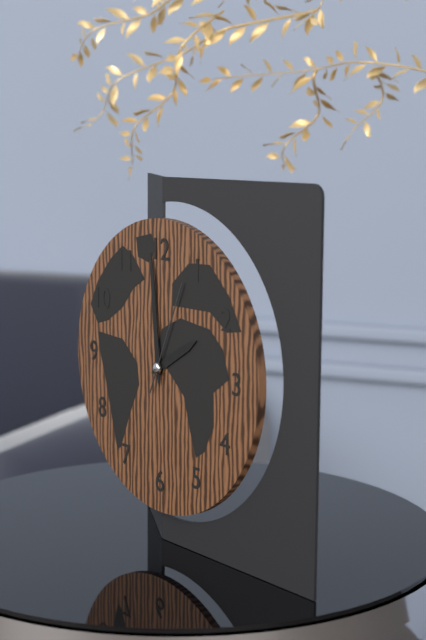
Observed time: 1:59:04
